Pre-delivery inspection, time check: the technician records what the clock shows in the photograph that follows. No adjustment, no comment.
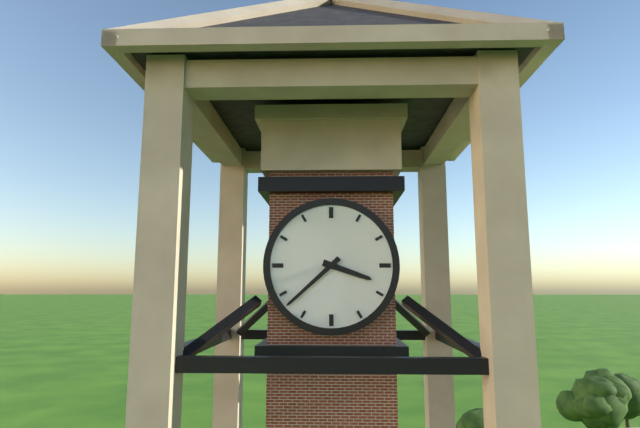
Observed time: 3:38
